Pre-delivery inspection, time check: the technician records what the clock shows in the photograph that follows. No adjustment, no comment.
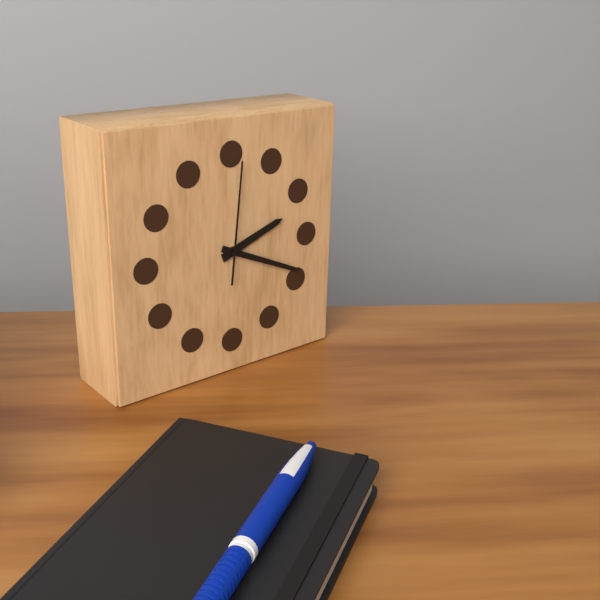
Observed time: 2:19:01
